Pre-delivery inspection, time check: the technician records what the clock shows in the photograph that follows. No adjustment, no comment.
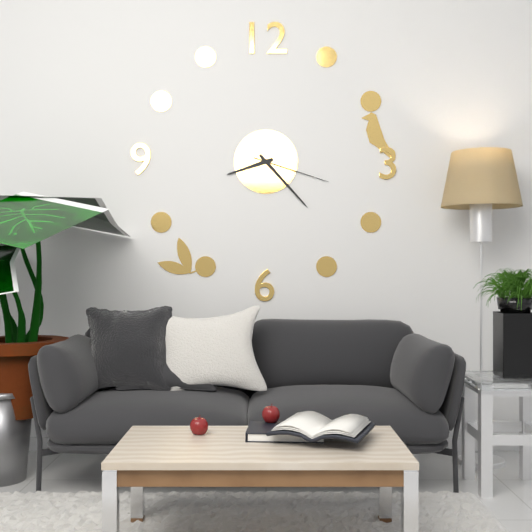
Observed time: 8:23:18
